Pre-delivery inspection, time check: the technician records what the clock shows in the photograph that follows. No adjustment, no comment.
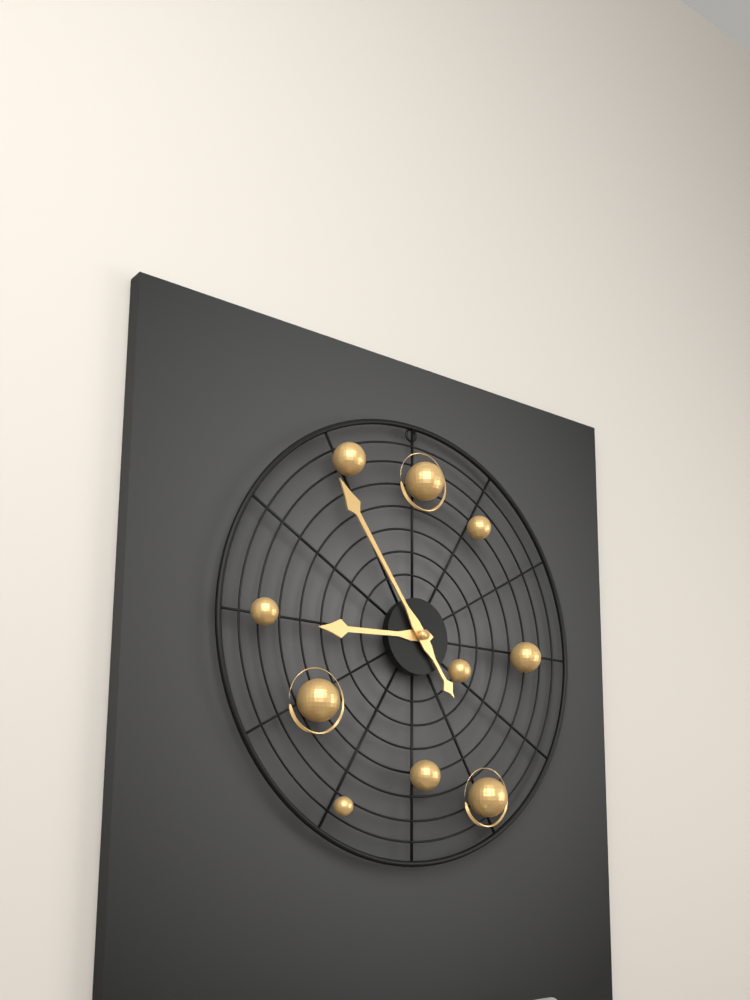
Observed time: 8:54
